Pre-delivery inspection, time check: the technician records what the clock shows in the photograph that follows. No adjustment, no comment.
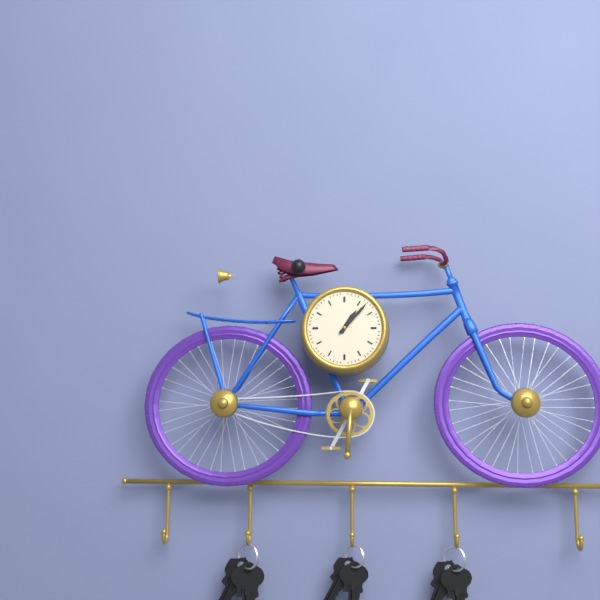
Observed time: 1:07
